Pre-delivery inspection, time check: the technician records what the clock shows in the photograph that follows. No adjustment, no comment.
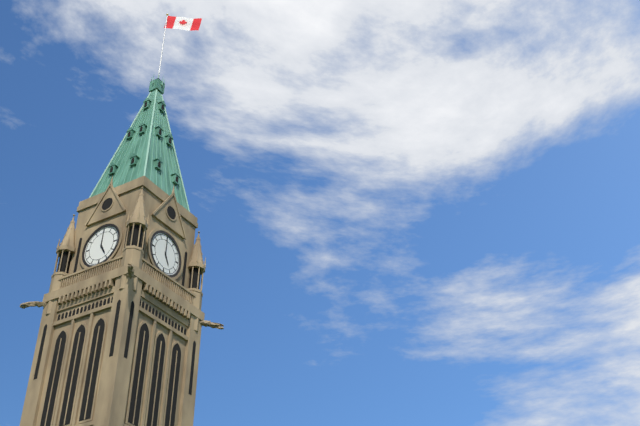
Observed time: 5:00
